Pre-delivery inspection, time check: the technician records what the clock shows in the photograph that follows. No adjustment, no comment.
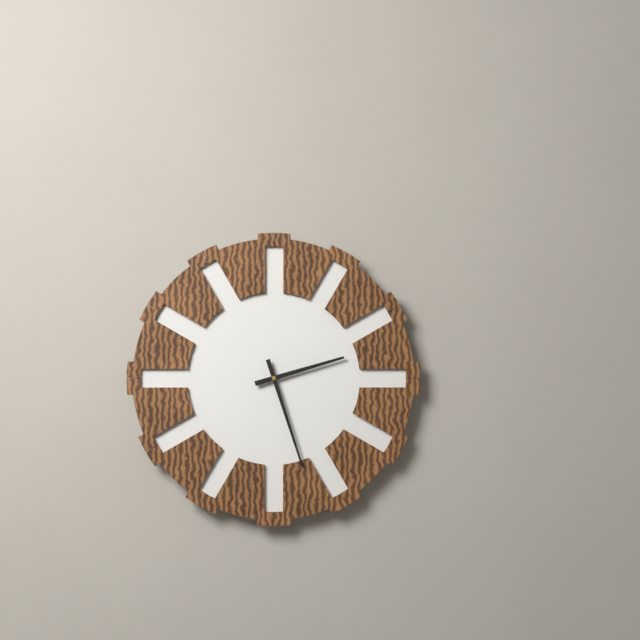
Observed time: 2:27
